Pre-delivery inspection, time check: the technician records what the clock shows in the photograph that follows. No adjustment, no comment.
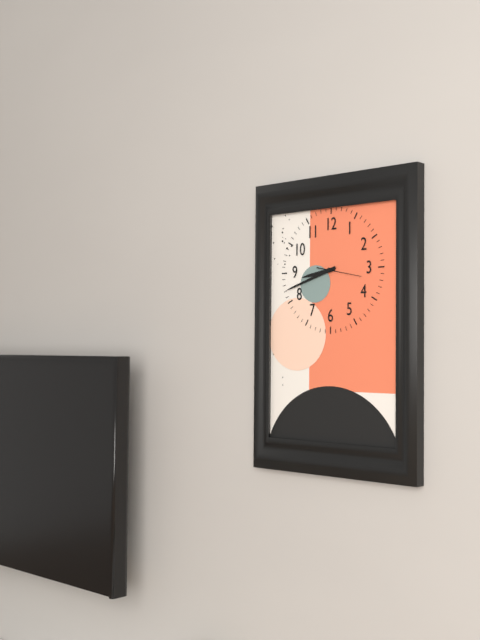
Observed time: 8:42
